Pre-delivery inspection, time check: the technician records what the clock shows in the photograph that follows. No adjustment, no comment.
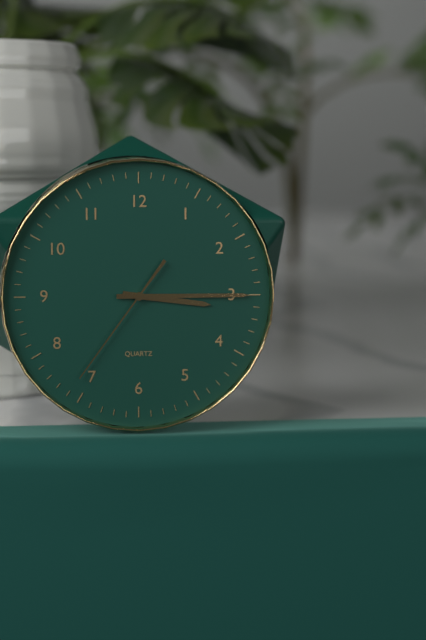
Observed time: 3:15:36
